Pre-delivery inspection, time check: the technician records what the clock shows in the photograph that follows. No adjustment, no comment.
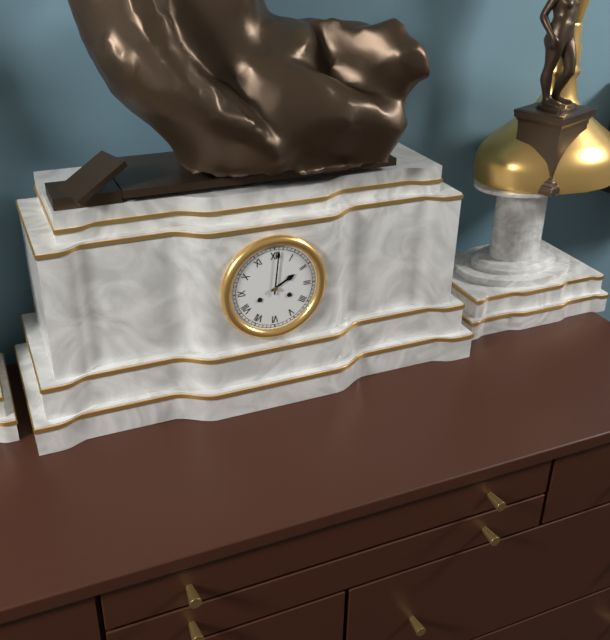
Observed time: 2:01
